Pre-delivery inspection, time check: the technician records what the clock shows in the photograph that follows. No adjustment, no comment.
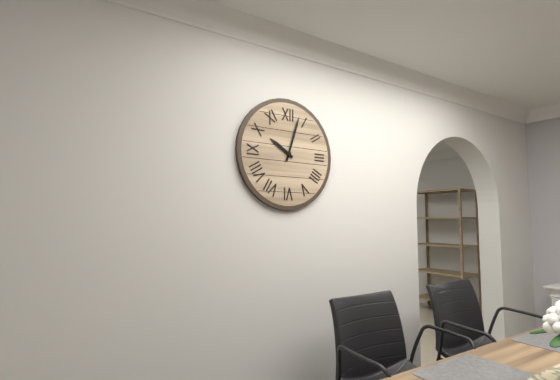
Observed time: 10:03
